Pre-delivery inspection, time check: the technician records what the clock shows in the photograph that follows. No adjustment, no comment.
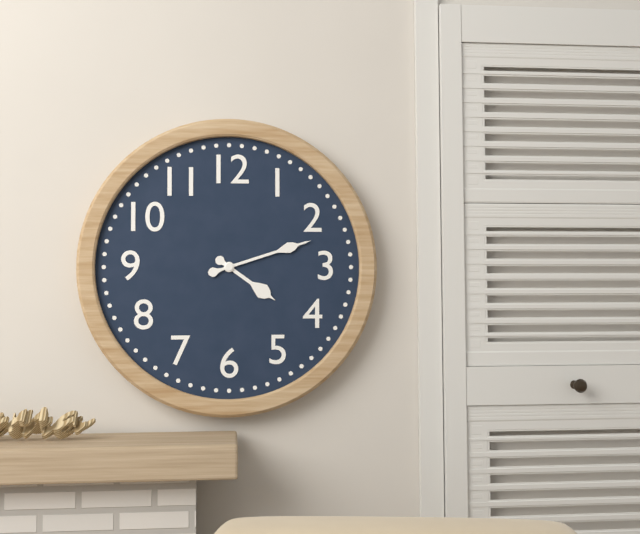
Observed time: 4:12
